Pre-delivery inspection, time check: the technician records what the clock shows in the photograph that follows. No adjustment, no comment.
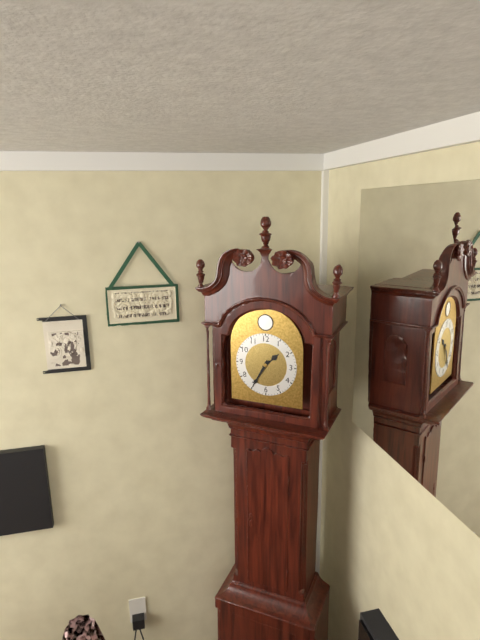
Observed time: 1:35
